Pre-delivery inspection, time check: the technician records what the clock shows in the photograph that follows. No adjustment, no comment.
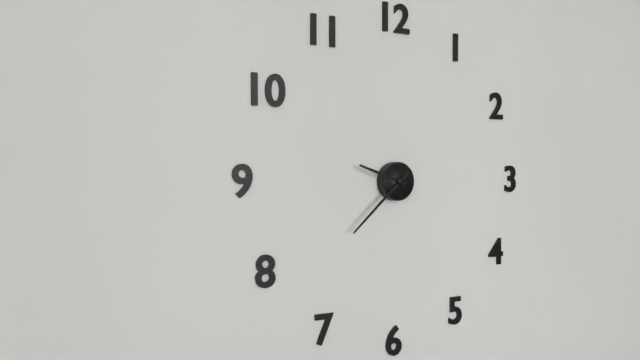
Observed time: 9:38
